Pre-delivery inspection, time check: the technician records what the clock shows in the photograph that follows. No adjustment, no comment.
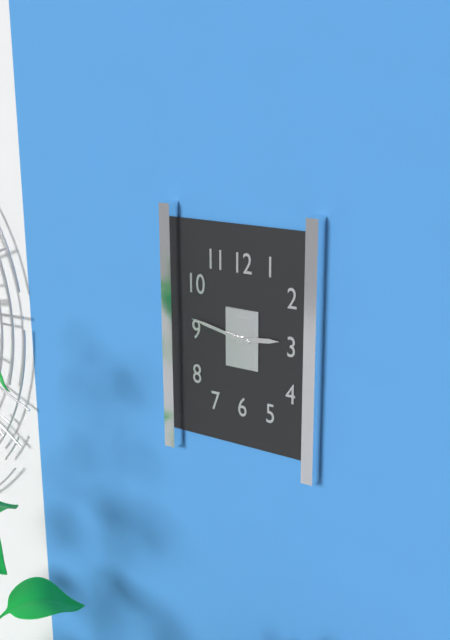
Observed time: 2:47
